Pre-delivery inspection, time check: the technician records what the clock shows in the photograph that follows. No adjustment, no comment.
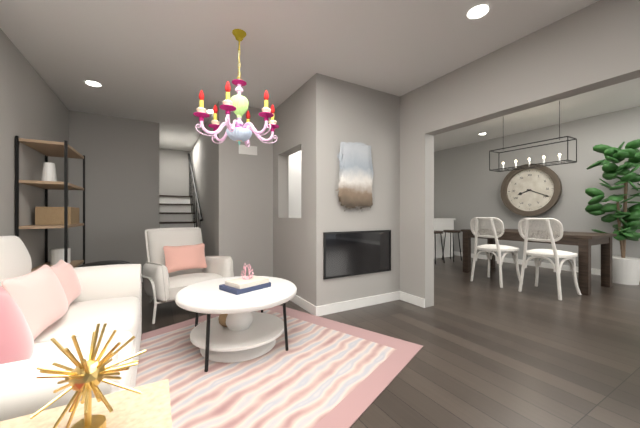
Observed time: 8:19
